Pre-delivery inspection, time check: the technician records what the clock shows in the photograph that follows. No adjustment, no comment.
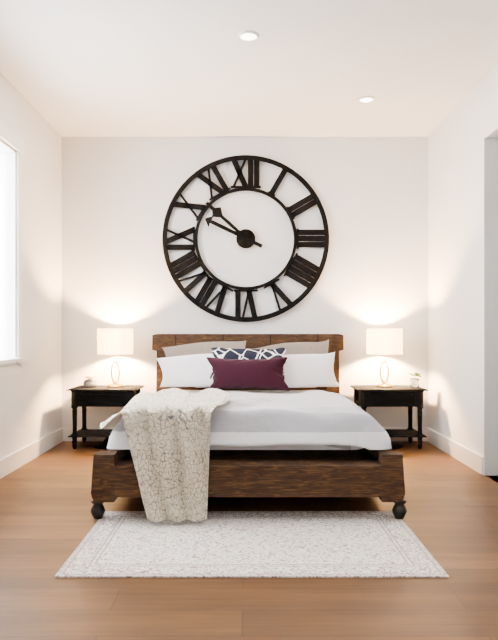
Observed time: 9:52
